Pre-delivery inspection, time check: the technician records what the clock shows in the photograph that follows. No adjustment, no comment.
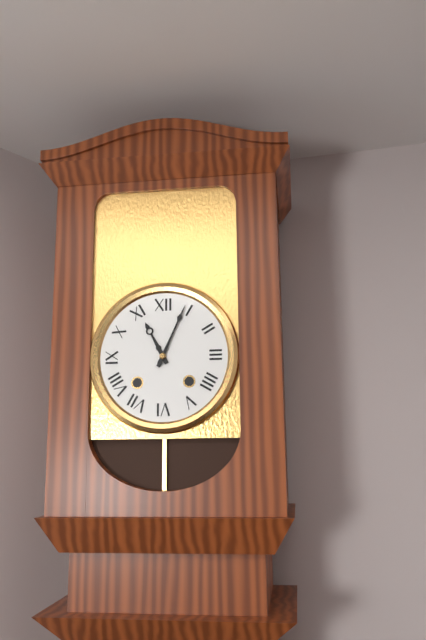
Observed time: 11:04
